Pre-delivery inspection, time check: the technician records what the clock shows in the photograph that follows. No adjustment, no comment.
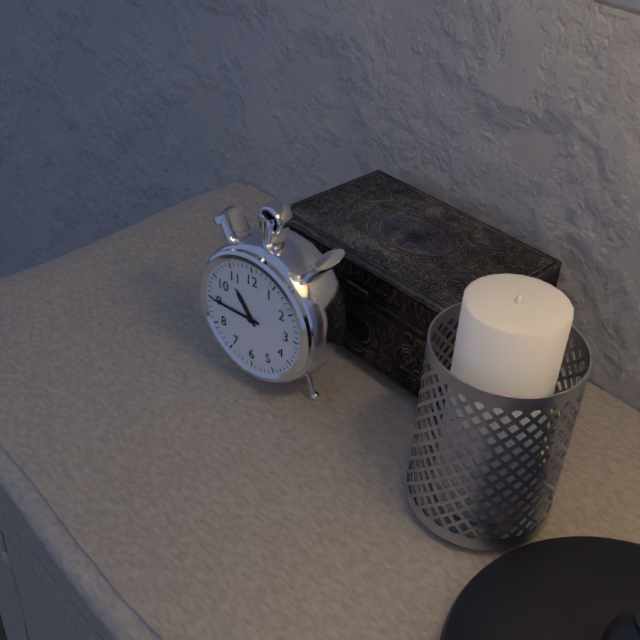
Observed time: 10:45
